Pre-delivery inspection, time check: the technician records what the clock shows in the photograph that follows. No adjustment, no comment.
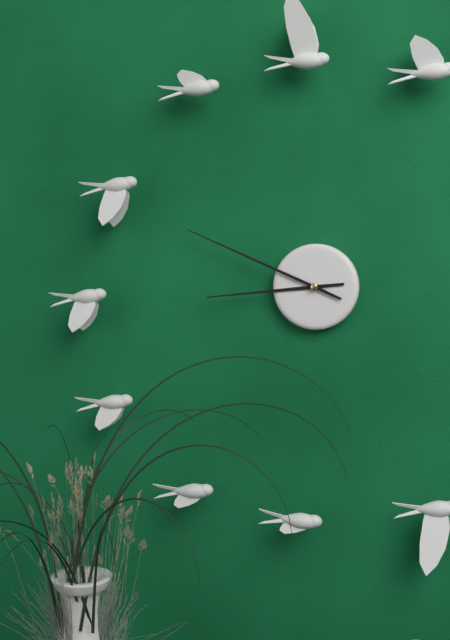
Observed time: 8:49
